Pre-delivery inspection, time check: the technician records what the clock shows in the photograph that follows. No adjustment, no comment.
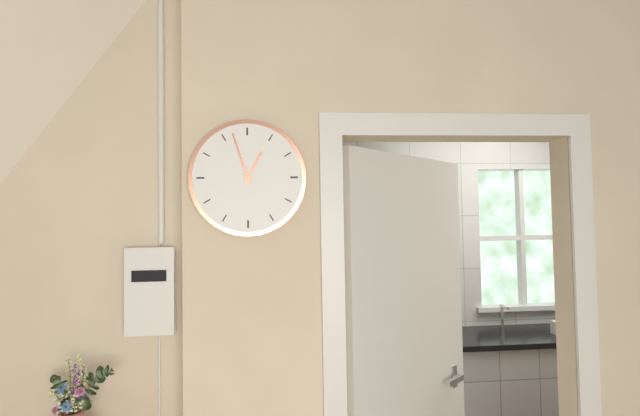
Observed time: 12:57
